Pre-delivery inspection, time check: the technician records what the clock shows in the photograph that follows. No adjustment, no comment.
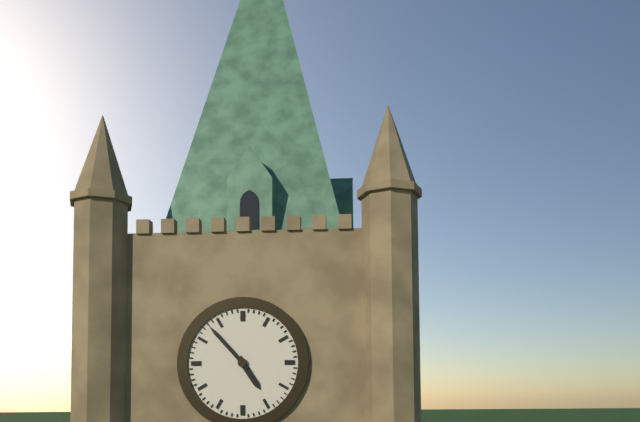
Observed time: 4:53
